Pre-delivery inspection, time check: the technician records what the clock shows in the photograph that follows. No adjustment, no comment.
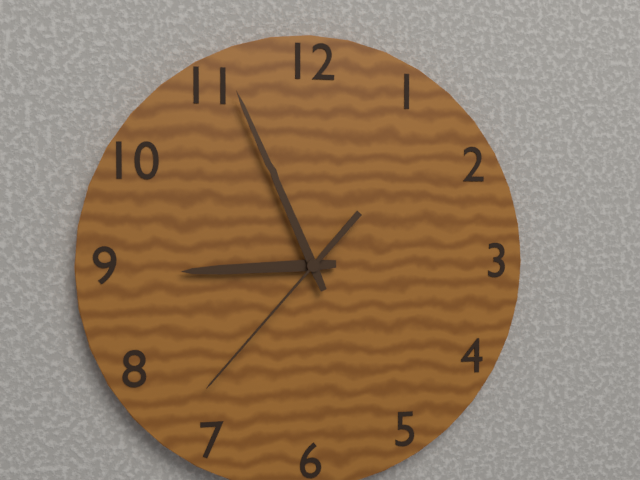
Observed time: 8:56:37
